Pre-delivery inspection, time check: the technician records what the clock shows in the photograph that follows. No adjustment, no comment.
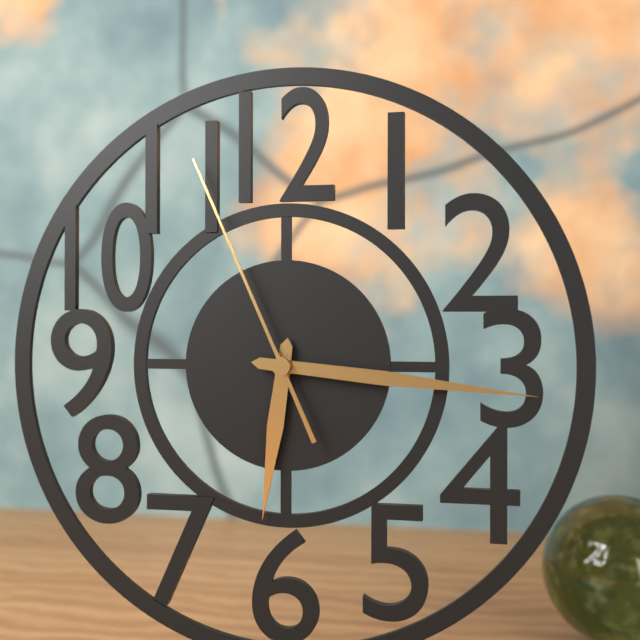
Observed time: 6:16:56
